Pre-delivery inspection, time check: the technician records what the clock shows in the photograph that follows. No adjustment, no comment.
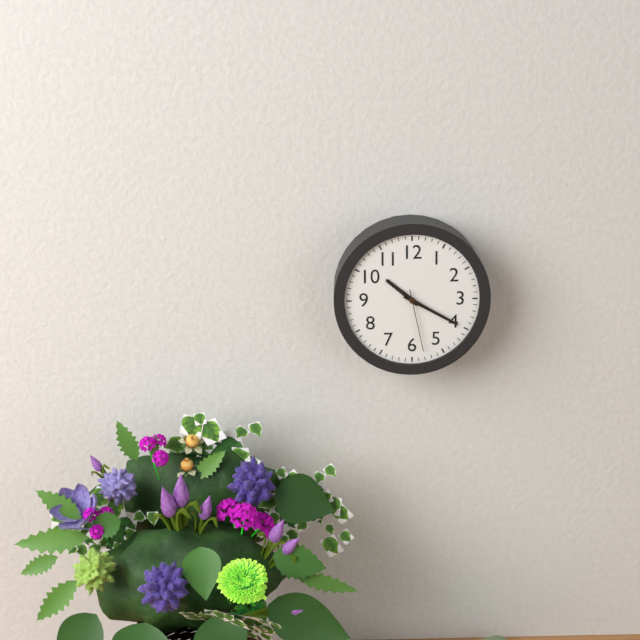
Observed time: 10:20:28
